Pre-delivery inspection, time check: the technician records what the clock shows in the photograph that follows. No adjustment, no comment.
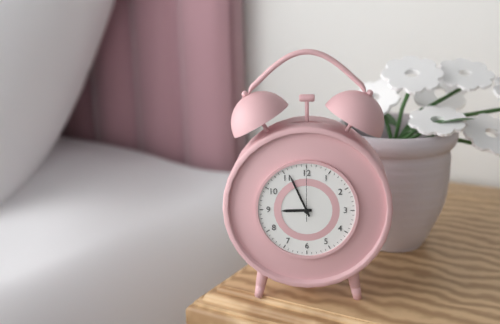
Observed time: 8:56:00
